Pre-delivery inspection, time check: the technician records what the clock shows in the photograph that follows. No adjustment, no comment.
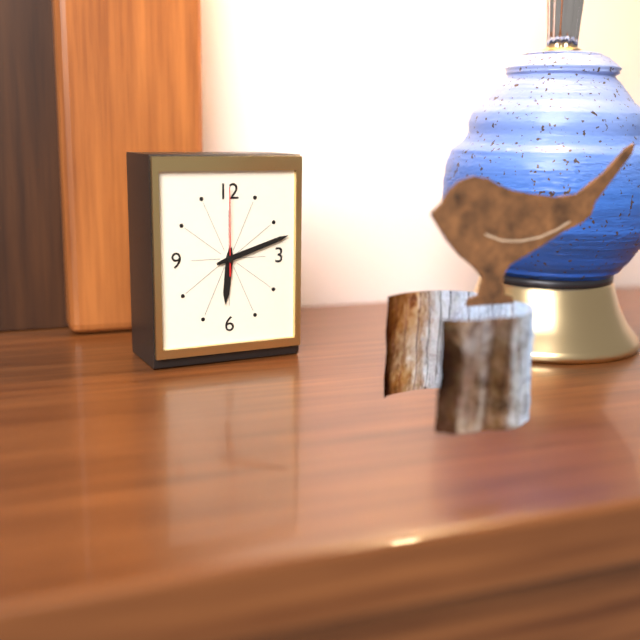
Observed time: 6:12:00
